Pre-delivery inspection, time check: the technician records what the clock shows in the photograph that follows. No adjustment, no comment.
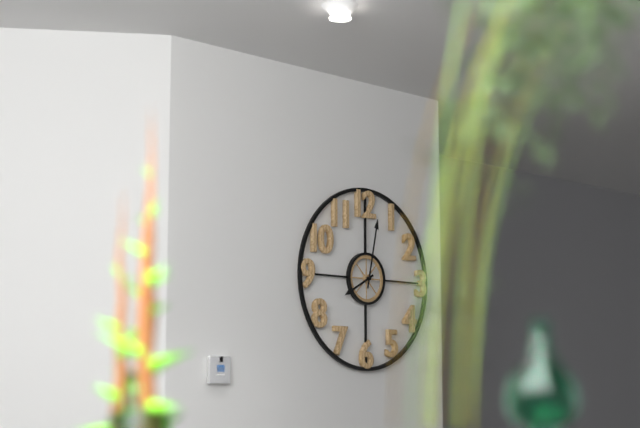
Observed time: 8:02
